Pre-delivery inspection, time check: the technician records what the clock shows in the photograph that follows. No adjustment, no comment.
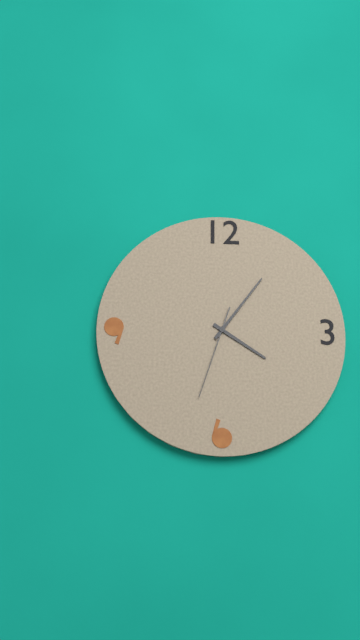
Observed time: 4:06:33
